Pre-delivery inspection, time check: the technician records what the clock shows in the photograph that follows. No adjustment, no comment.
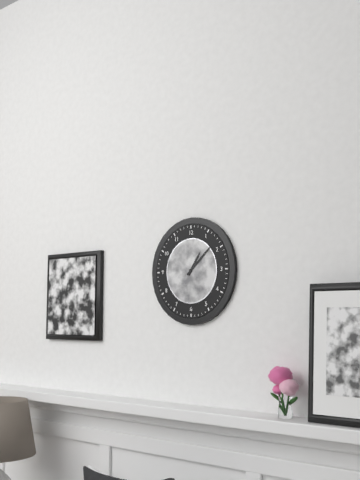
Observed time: 1:08
